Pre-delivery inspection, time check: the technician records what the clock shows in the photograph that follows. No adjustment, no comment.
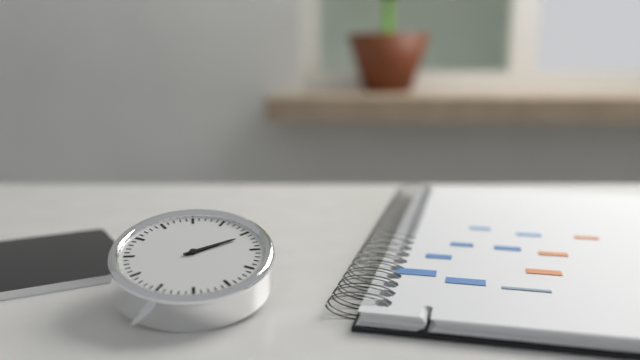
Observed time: 2:11
